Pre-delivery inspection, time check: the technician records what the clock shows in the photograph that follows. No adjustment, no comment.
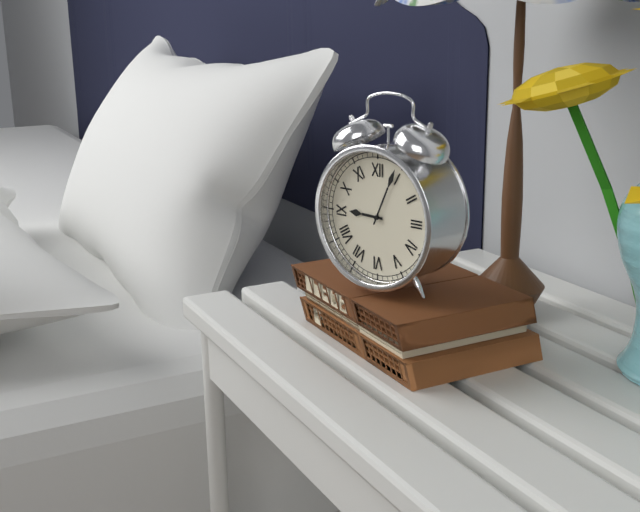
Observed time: 9:04
